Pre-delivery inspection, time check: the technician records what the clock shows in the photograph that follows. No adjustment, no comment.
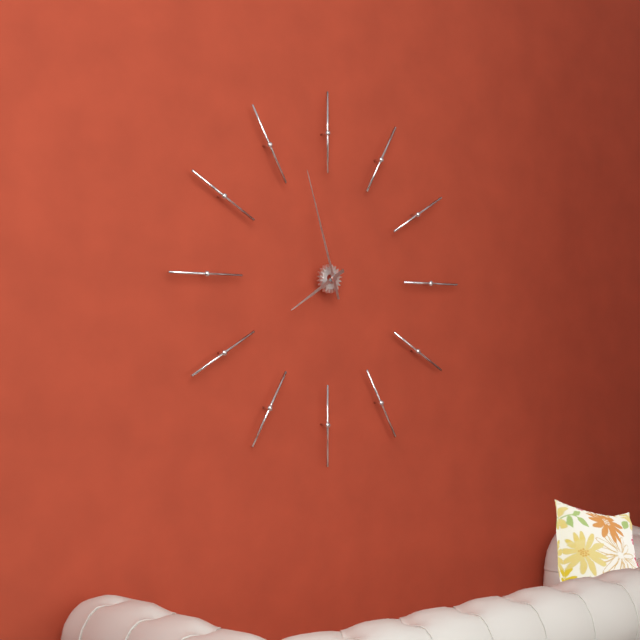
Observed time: 7:57
